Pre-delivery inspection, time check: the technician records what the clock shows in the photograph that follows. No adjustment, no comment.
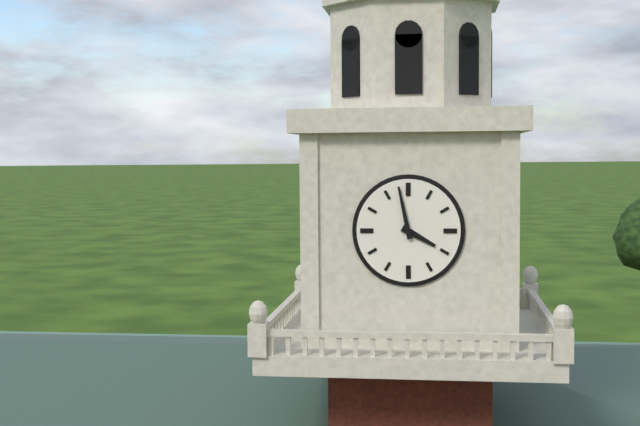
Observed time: 3:58
